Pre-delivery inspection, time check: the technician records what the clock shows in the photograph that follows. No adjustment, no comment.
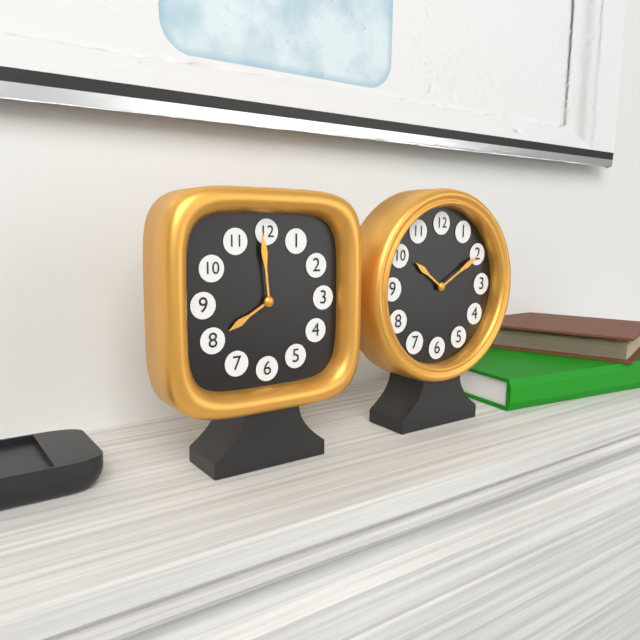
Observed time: 7:59
